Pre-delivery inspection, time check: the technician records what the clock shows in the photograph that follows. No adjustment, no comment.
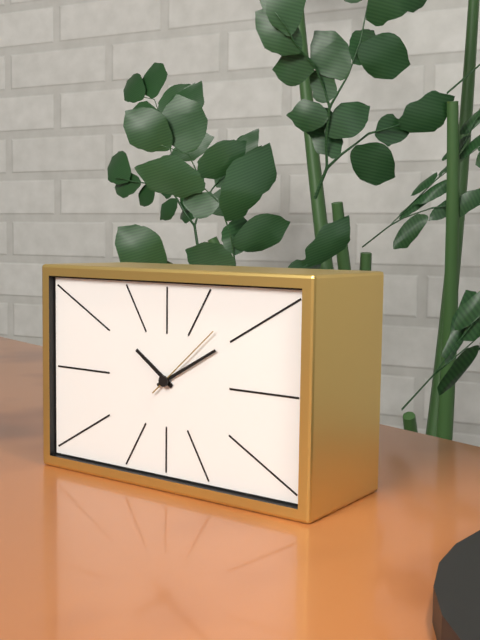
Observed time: 10:10:08
